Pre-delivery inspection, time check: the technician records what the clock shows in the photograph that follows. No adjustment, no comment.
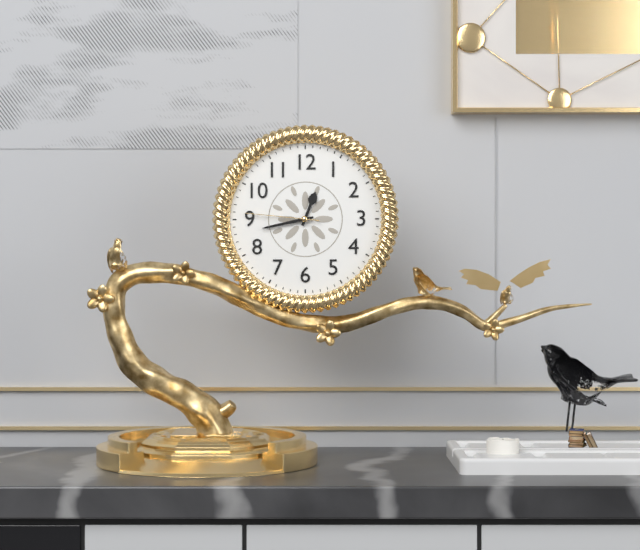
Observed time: 12:43:46
